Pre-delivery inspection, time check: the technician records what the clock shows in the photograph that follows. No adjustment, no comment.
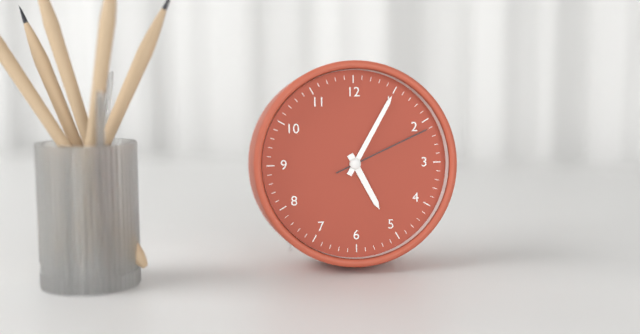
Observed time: 5:05:11
